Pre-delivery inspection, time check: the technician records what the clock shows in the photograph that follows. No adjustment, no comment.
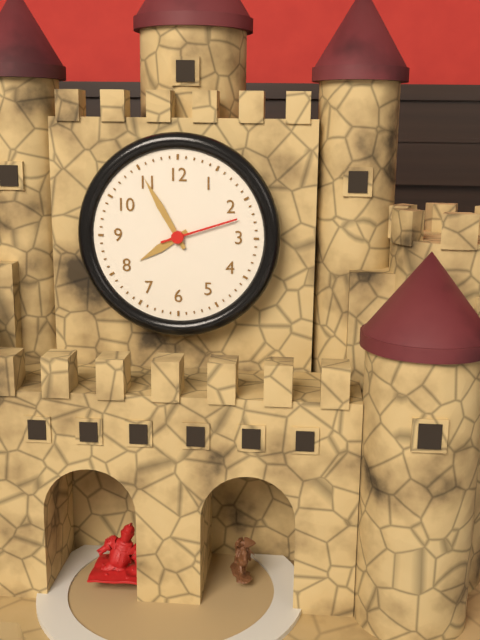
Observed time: 7:55:12
